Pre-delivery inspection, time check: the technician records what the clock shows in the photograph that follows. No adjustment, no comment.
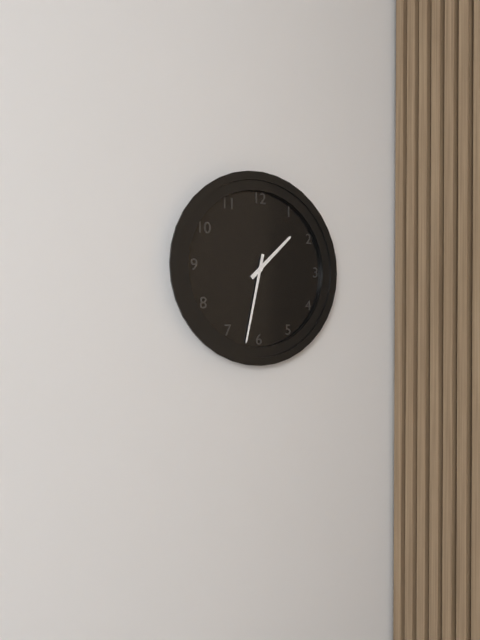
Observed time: 1:32
